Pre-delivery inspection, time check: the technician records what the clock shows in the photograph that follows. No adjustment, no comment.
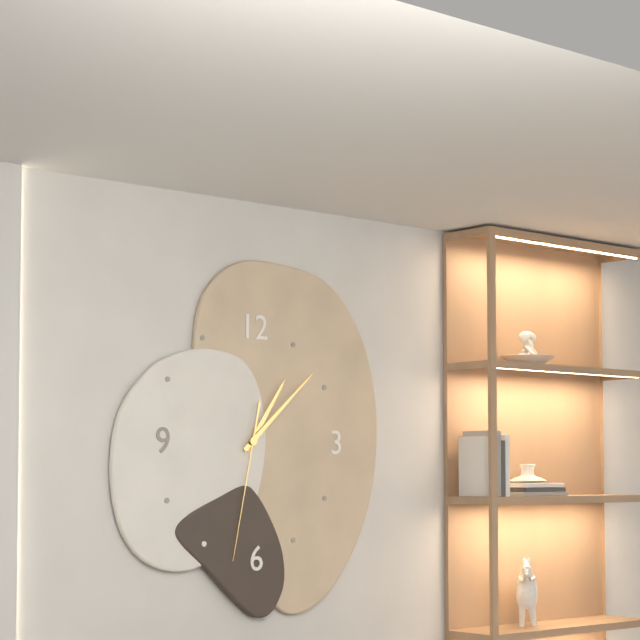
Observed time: 1:08:32
